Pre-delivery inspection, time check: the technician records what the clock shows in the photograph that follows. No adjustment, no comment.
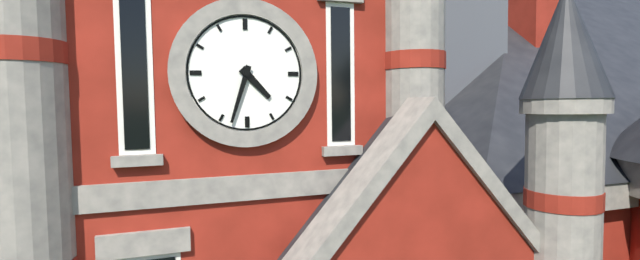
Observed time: 4:33
